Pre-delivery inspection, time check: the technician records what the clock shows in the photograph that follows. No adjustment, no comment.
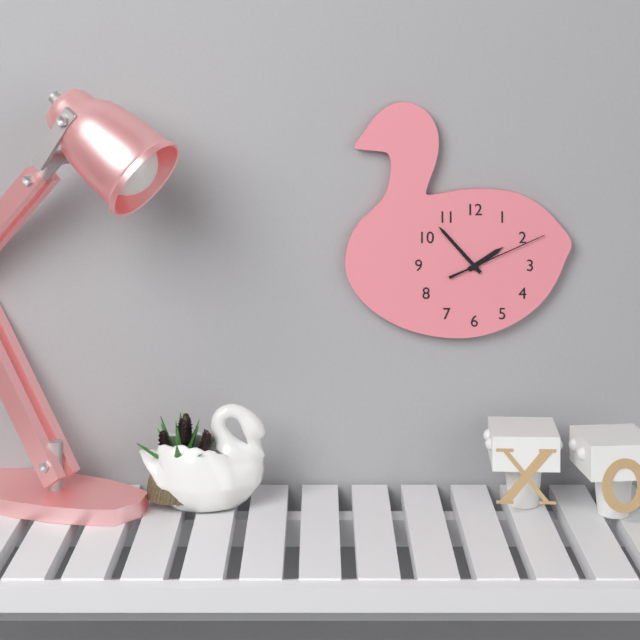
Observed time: 1:53:11
